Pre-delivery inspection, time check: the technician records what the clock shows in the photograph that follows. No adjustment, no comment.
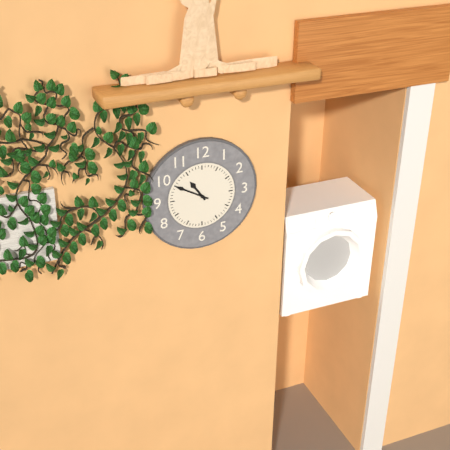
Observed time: 10:50
